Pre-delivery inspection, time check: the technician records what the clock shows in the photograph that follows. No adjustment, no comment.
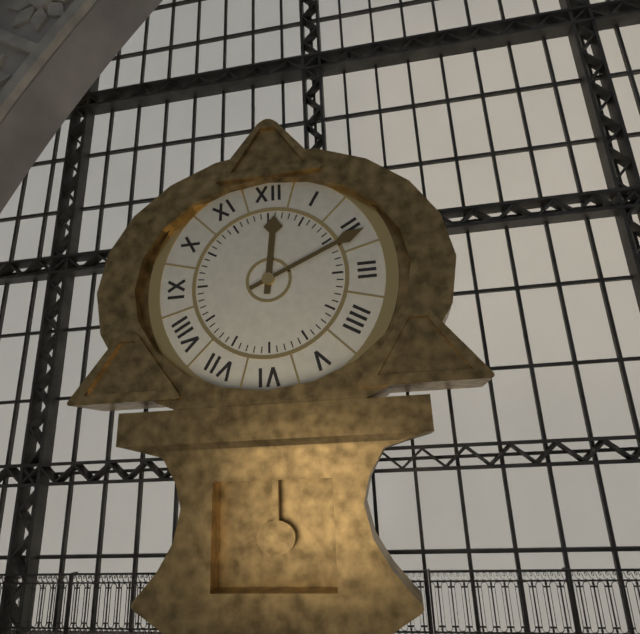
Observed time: 12:11
